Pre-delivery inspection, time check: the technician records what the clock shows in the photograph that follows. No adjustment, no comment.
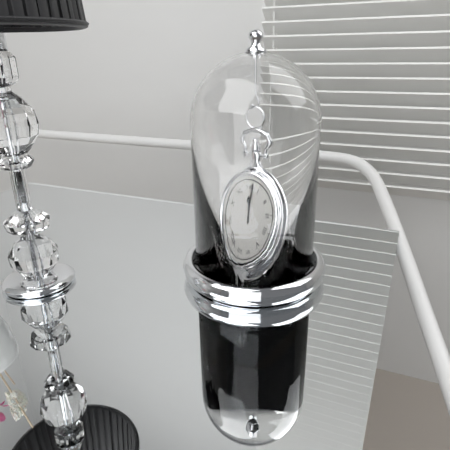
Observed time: 12:02
